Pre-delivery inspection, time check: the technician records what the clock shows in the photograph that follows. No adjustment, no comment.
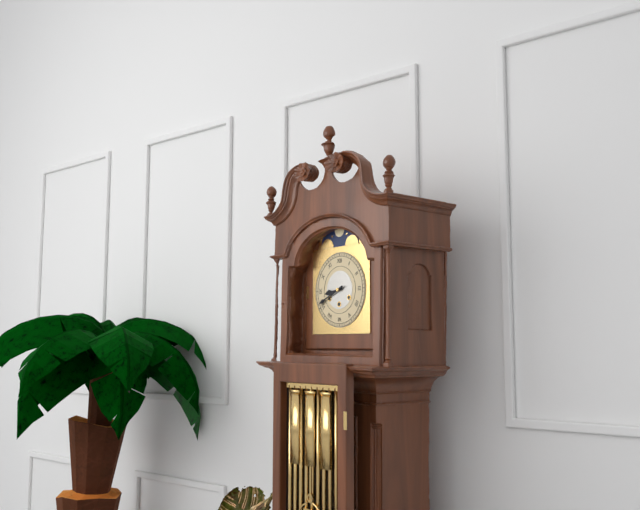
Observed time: 8:41
